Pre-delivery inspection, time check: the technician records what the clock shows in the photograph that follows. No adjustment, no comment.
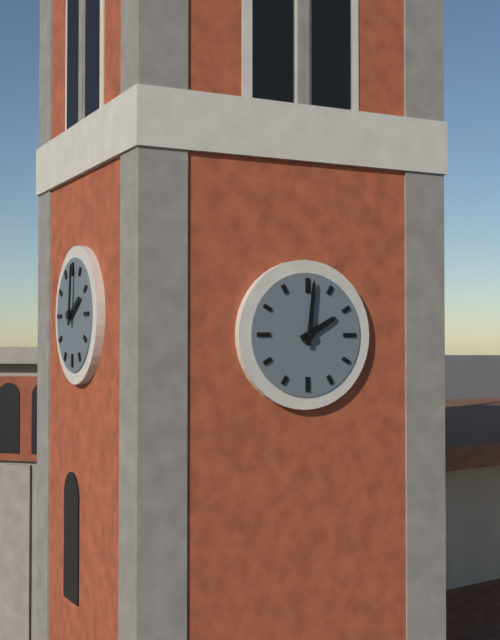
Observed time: 2:01
